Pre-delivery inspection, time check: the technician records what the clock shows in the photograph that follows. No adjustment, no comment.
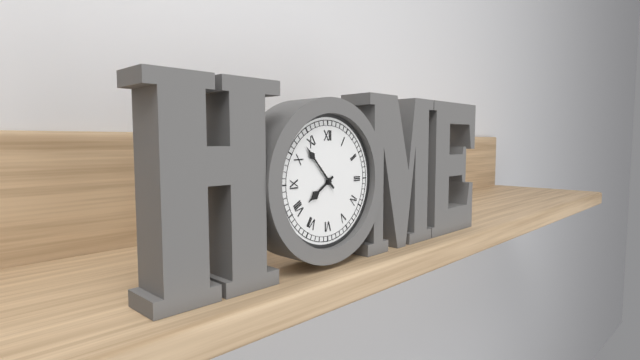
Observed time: 7:53
